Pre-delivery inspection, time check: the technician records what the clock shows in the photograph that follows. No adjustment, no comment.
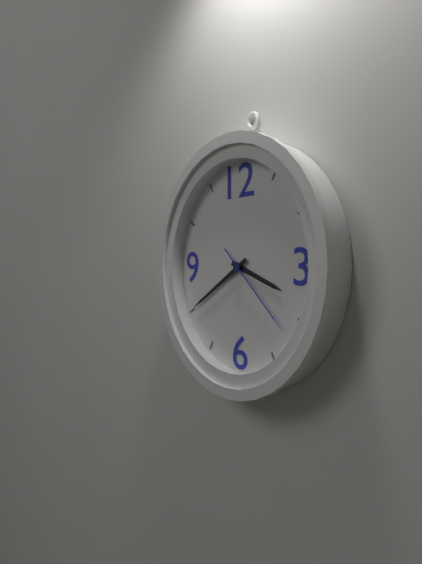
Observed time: 3:40:22
